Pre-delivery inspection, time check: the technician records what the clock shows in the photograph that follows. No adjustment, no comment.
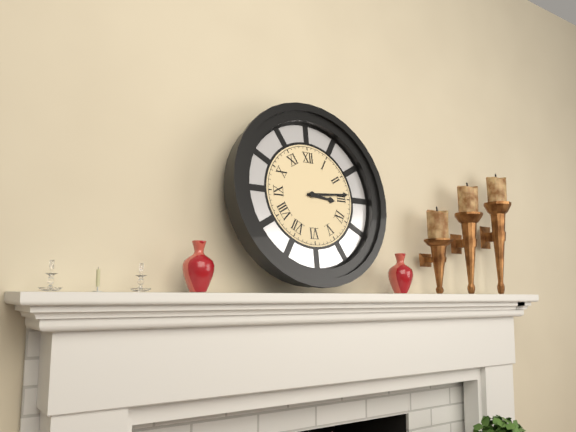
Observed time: 3:14
